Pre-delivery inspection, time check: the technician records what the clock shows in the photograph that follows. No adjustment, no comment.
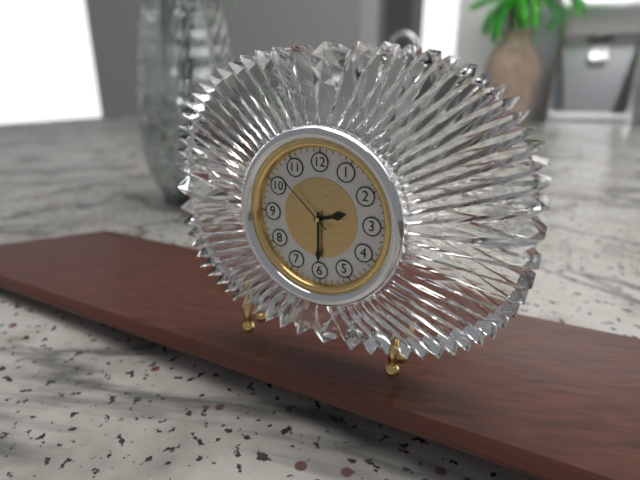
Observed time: 2:30:52
